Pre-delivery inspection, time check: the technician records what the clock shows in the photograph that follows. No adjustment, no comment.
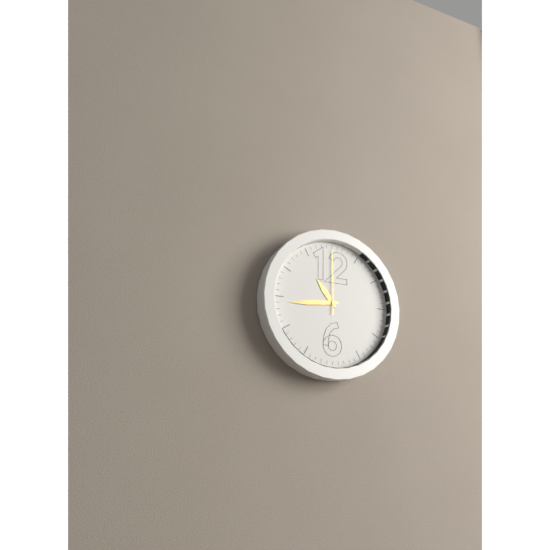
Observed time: 10:44:00
